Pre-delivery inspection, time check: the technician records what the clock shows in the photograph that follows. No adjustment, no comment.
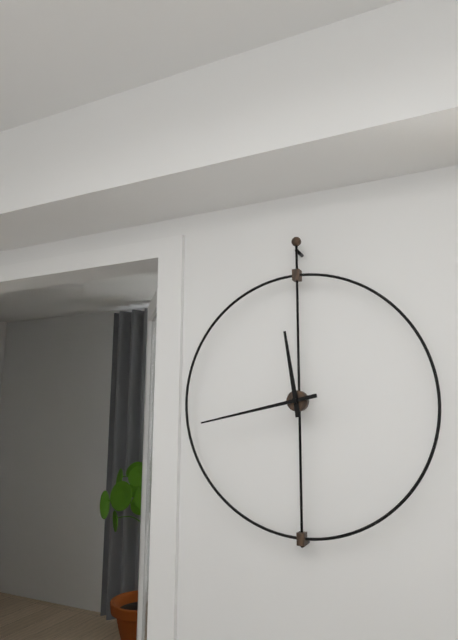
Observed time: 11:43
